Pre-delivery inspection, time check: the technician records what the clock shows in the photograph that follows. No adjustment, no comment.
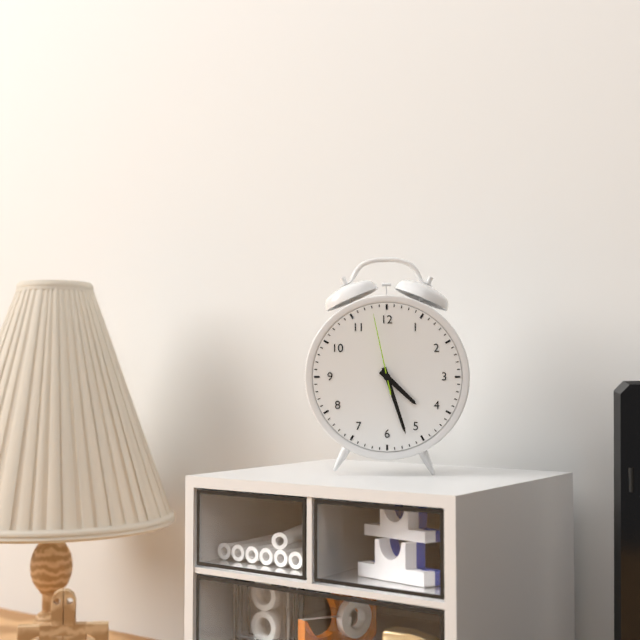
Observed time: 4:27:58
